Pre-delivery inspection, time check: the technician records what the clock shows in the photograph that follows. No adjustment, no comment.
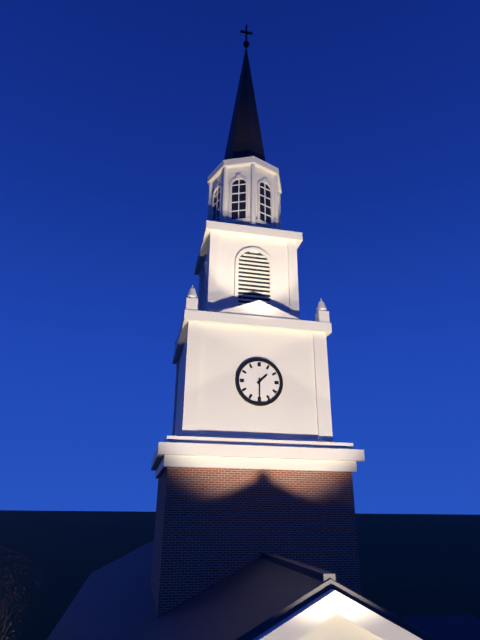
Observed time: 1:30
